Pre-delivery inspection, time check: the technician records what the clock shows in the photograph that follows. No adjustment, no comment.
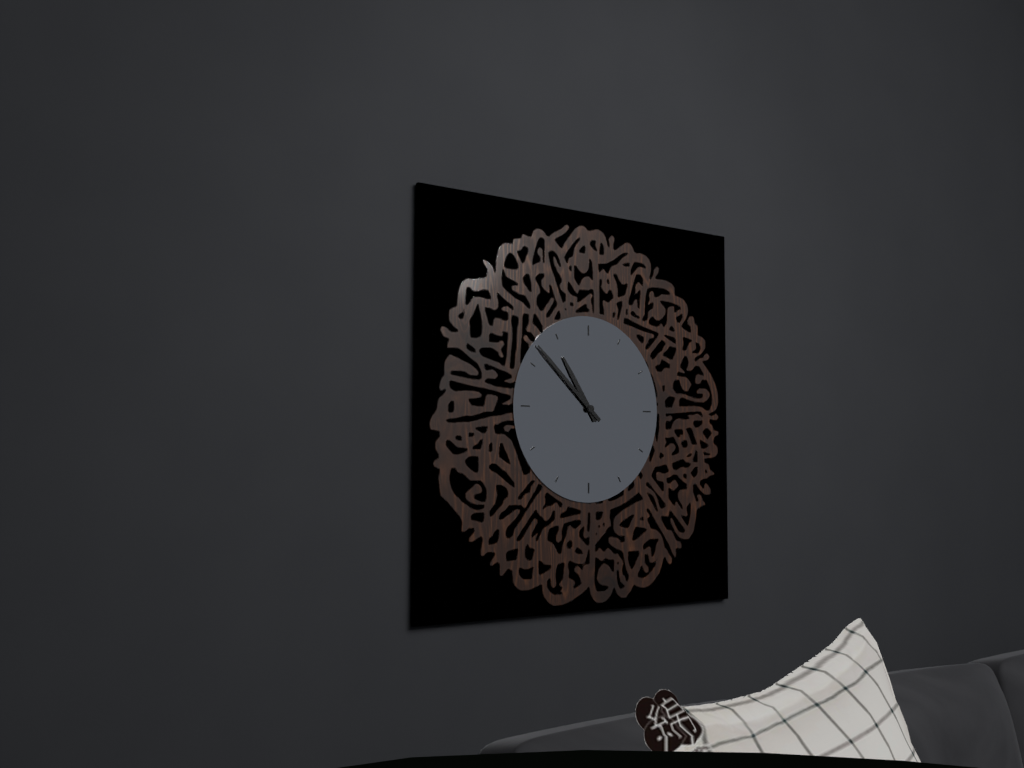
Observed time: 10:52
